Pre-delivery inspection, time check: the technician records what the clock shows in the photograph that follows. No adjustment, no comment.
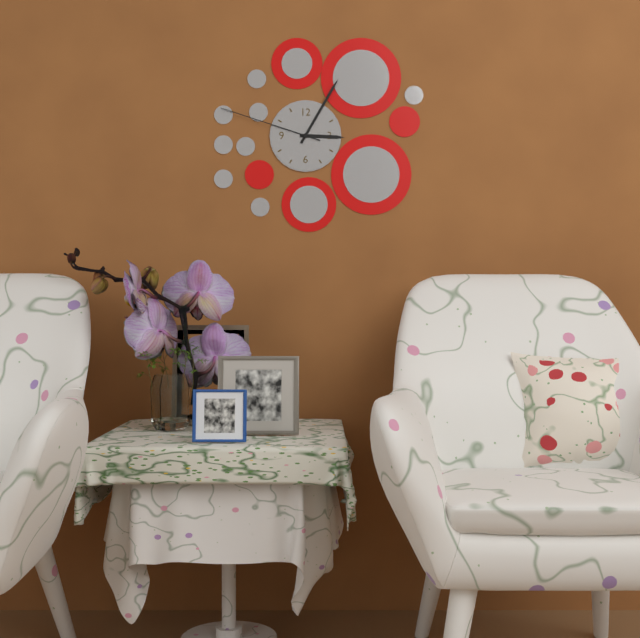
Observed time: 3:05:48
